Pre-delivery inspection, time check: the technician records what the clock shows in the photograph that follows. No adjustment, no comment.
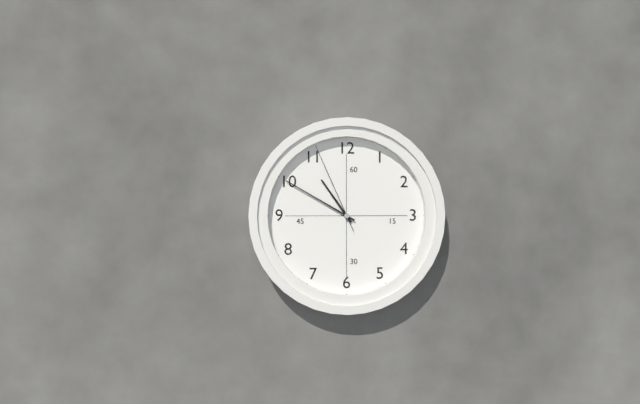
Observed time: 10:50:56
